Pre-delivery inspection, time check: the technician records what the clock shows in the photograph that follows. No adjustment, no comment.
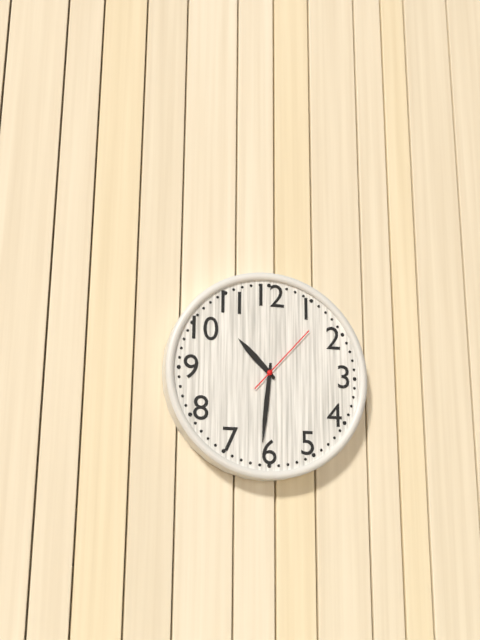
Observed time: 10:31:07
